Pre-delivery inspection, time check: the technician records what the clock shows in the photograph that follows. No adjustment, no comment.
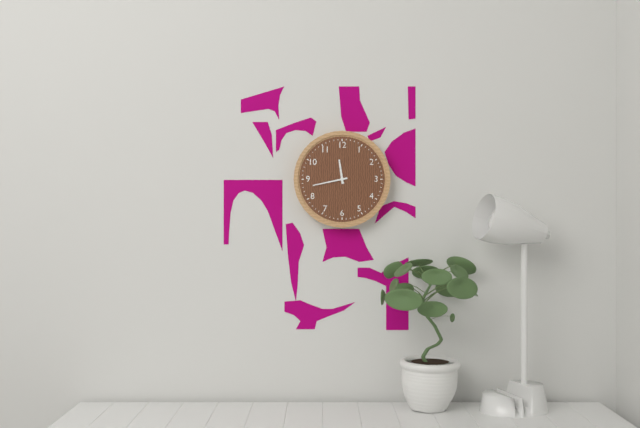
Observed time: 11:43
